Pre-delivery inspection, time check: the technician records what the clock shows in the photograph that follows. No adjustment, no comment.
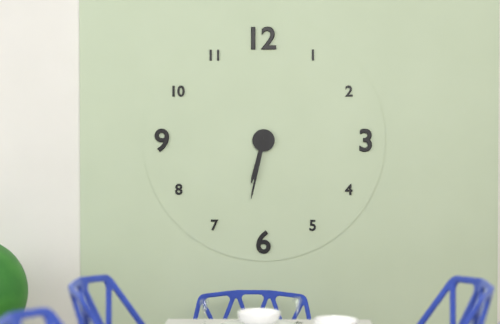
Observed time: 6:32
